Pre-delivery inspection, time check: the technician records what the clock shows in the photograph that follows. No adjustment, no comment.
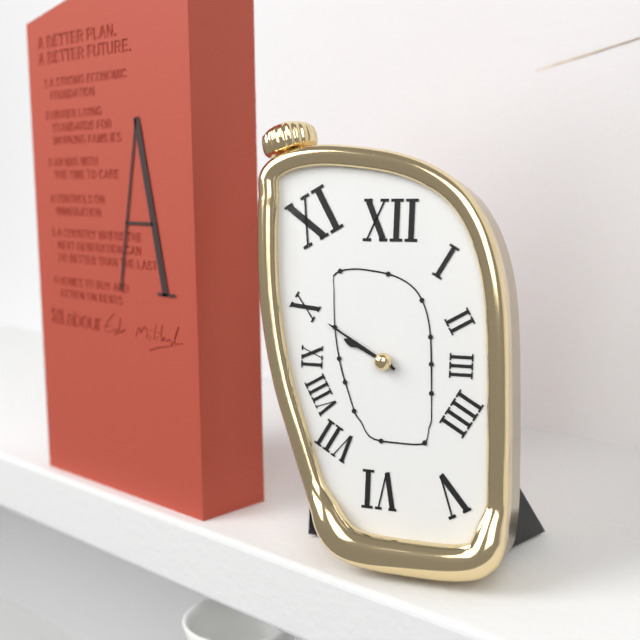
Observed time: 9:50
